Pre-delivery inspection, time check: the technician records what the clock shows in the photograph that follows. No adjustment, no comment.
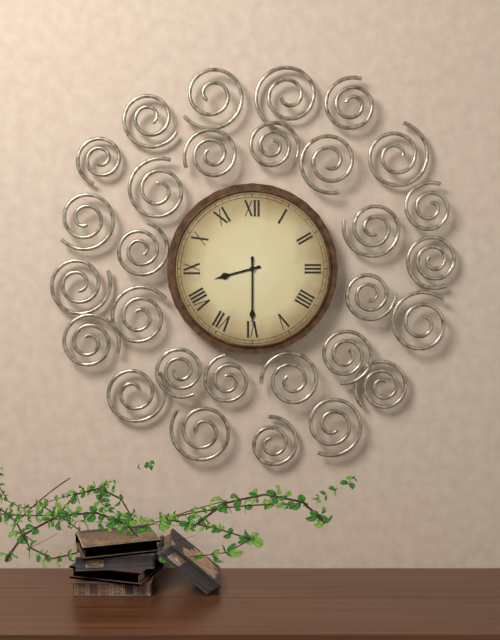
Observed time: 8:30
